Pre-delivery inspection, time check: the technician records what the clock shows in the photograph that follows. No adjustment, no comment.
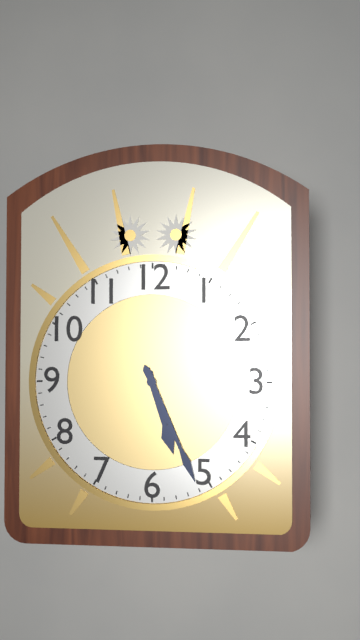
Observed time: 5:26
